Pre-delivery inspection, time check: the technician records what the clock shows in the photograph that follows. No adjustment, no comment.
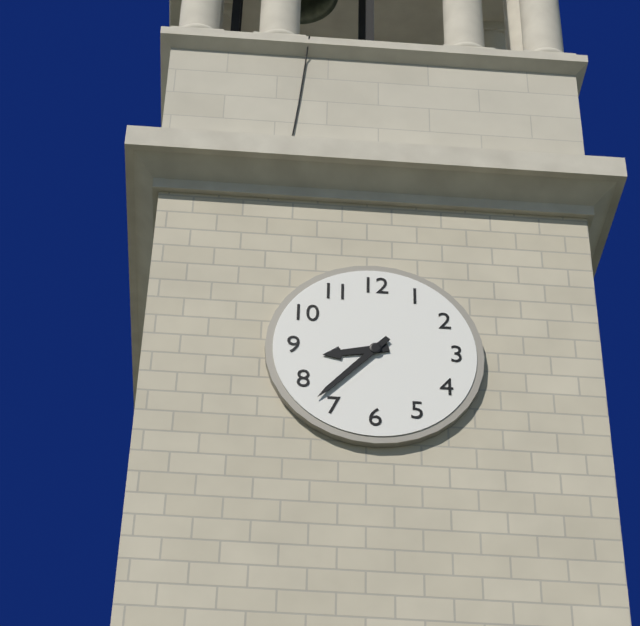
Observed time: 8:37
